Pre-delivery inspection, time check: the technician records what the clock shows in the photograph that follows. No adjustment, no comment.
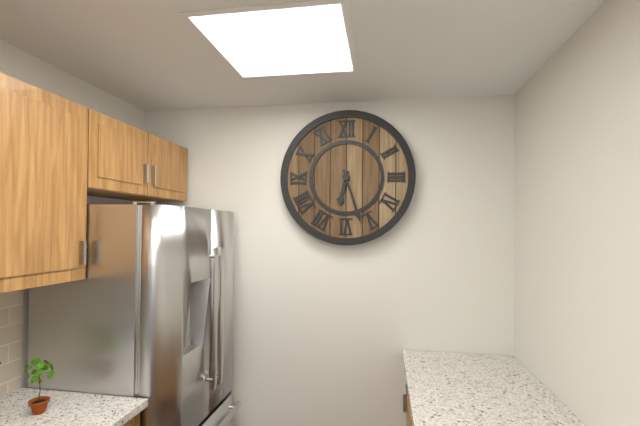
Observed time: 6:27
